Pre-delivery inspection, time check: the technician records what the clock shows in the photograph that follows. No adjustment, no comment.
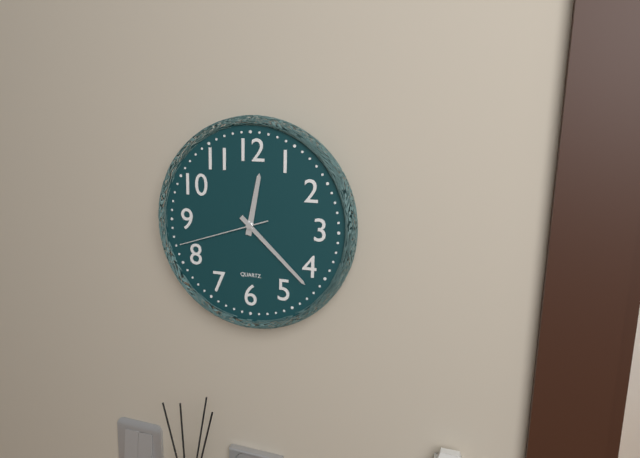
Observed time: 12:22:42
